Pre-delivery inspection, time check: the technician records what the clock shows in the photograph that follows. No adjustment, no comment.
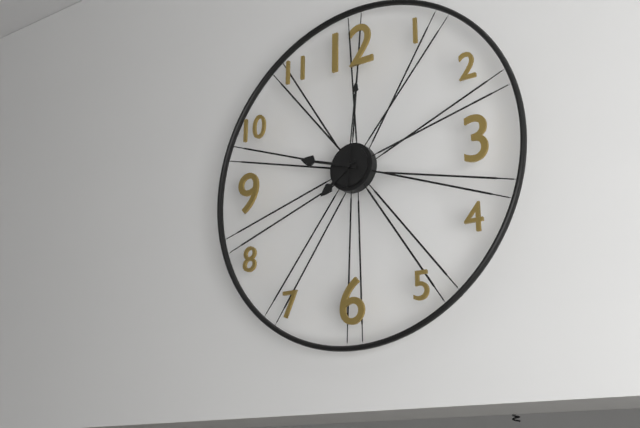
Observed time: 7:48:01
